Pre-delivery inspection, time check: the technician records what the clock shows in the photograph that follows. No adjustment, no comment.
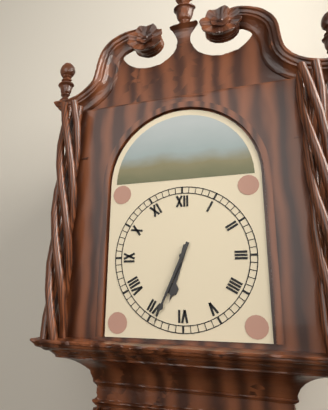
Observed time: 6:34
